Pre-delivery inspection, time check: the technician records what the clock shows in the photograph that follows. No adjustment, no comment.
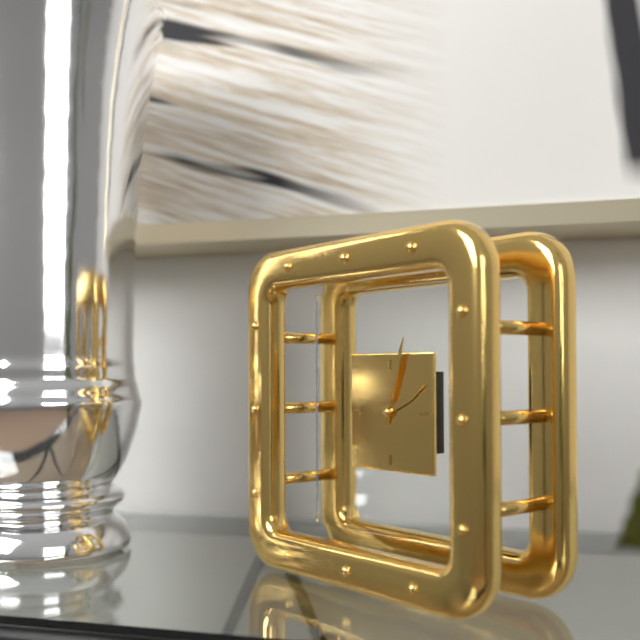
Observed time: 2:03
